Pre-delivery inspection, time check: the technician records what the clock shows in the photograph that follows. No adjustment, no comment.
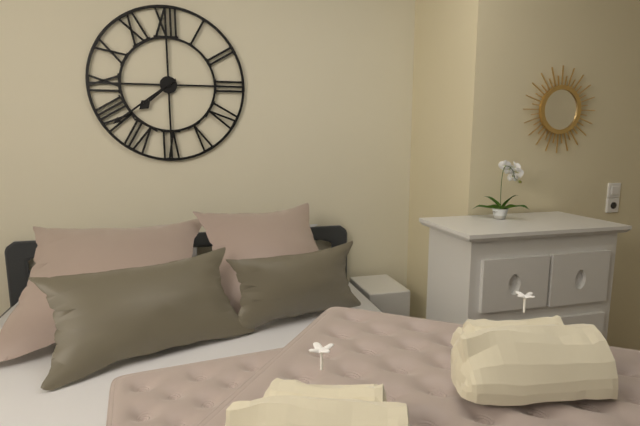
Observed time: 7:39
